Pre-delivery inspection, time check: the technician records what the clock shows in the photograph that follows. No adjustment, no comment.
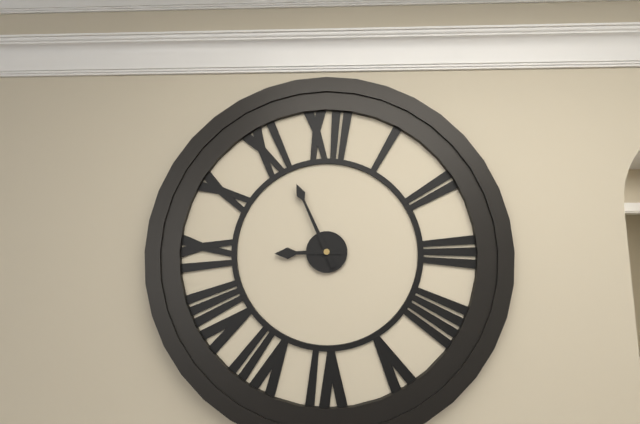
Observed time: 8:56
